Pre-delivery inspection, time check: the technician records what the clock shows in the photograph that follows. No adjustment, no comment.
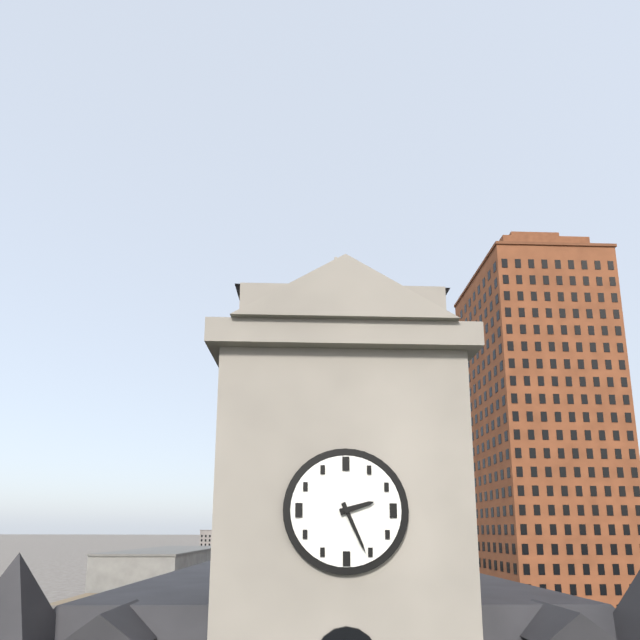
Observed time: 2:26
